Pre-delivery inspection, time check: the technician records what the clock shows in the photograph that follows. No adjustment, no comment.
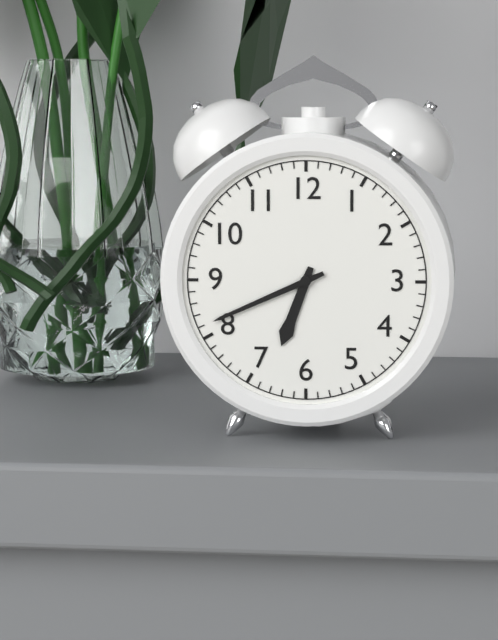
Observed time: 6:41
